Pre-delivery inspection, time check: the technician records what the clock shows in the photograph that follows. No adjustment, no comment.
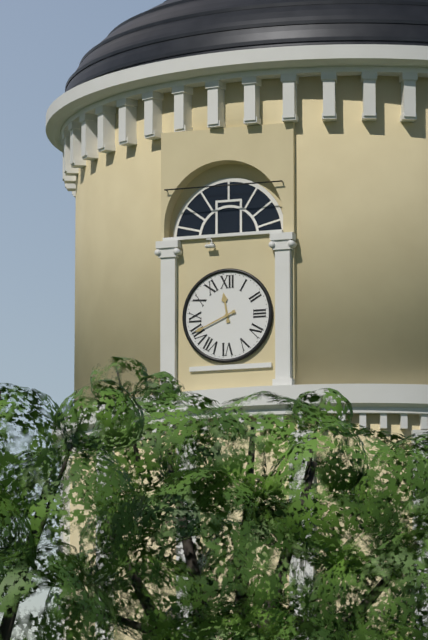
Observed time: 11:41
